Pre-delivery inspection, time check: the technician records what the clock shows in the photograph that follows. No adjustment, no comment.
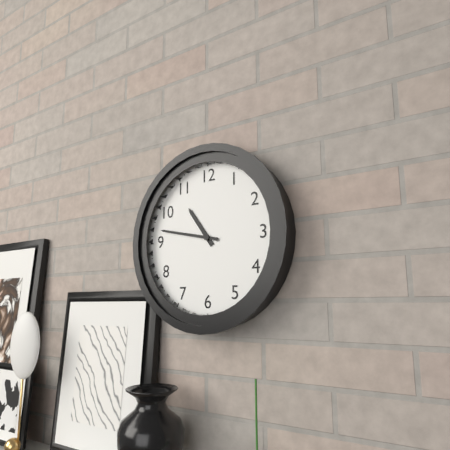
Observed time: 10:47
